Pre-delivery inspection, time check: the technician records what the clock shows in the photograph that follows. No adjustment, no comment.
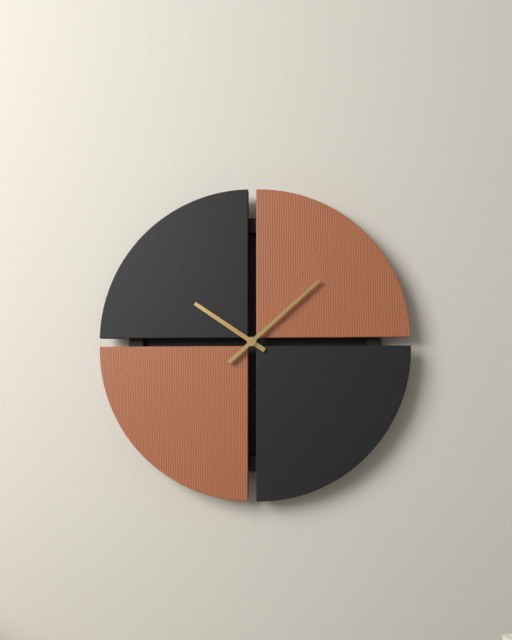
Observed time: 10:08
